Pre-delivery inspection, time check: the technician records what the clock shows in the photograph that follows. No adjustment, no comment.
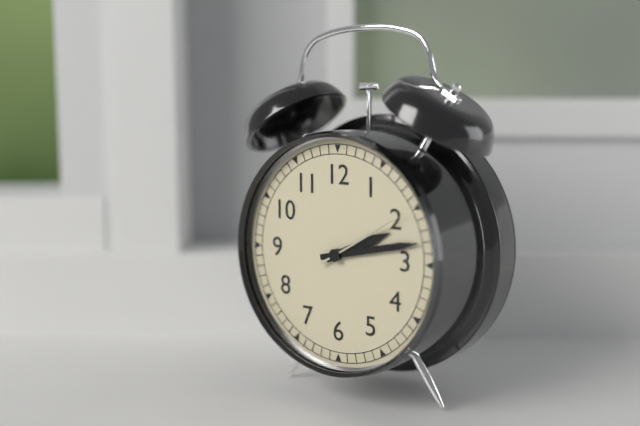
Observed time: 2:13:10
